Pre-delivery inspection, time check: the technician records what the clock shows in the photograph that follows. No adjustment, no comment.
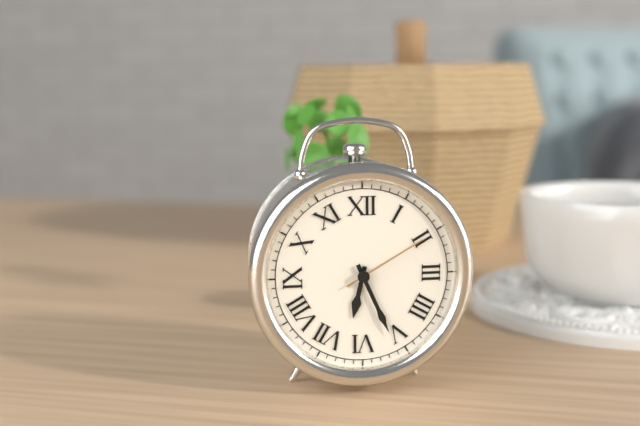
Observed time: 6:26:10
